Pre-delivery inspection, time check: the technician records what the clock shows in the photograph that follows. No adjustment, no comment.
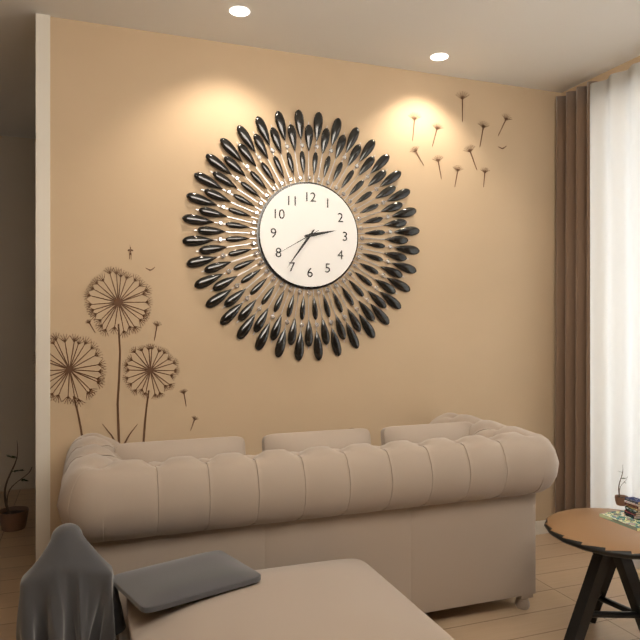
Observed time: 2:36:40
